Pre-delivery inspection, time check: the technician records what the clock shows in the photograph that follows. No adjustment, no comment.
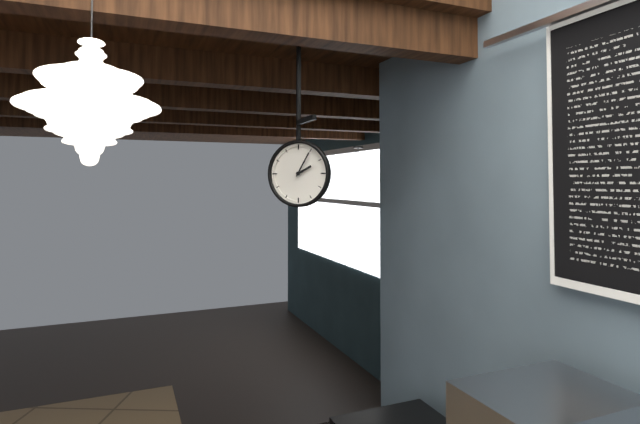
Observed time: 2:05
